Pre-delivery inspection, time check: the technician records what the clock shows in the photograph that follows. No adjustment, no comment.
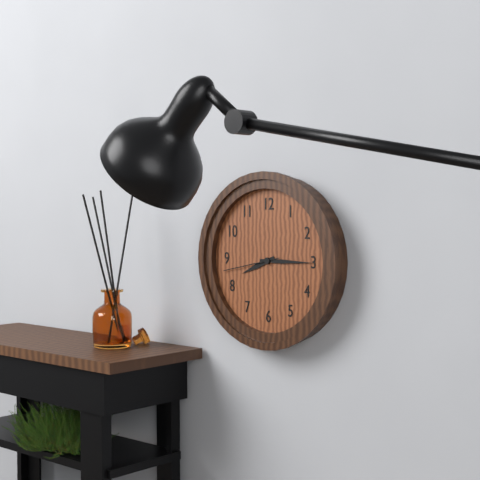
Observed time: 8:15:43
